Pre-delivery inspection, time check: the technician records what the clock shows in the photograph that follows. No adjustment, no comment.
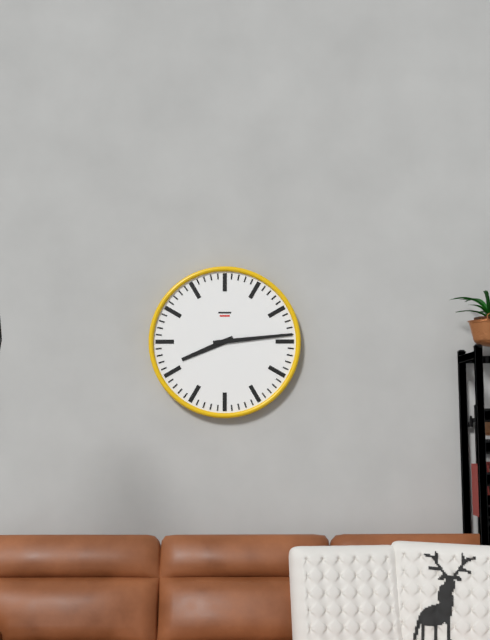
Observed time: 8:14
